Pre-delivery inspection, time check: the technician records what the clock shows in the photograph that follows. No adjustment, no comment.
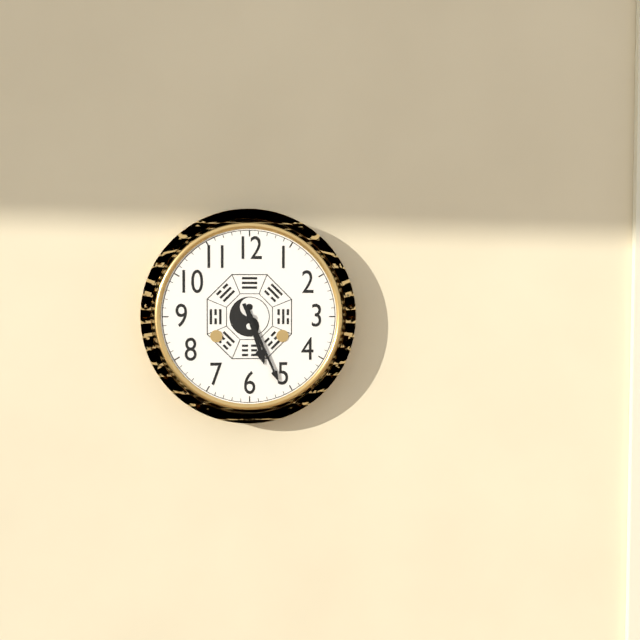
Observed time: 5:26
